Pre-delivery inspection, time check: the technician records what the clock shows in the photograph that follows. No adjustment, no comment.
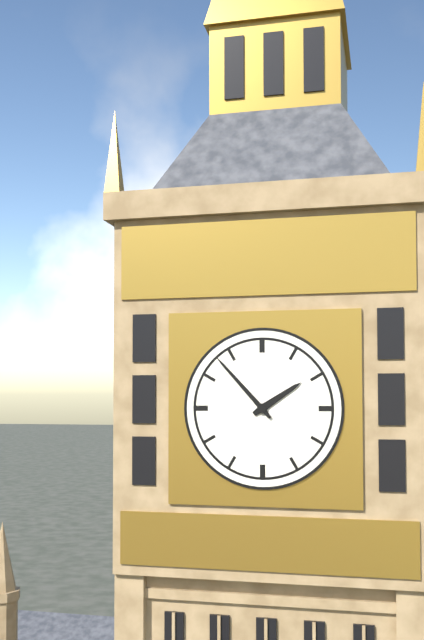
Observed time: 1:53
